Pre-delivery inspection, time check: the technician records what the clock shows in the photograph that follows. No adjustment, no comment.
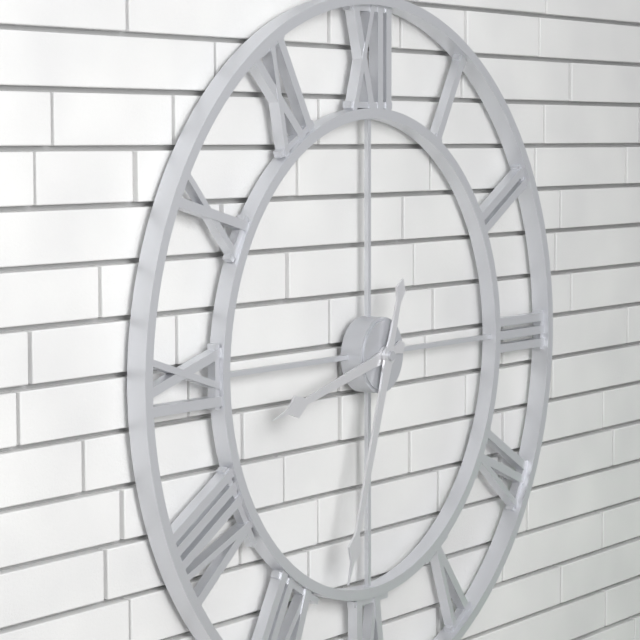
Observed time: 8:33
